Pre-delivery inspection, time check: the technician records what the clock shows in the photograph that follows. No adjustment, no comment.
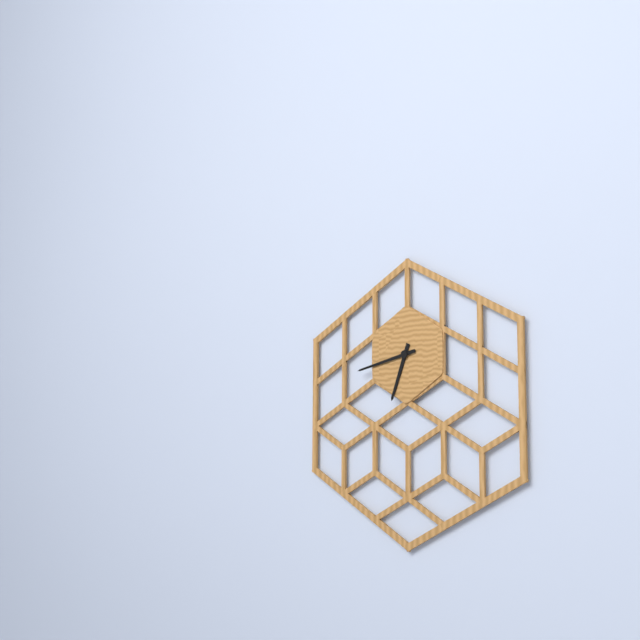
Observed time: 6:43
